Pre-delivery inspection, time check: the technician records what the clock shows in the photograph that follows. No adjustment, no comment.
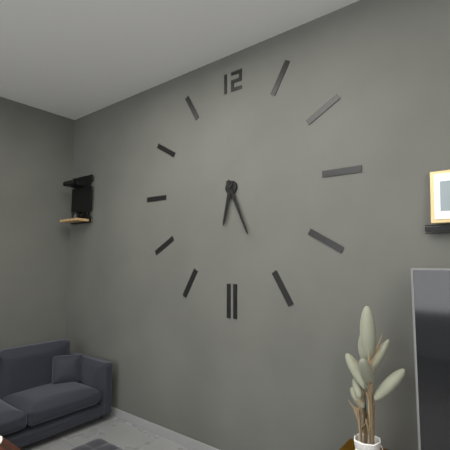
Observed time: 6:26
